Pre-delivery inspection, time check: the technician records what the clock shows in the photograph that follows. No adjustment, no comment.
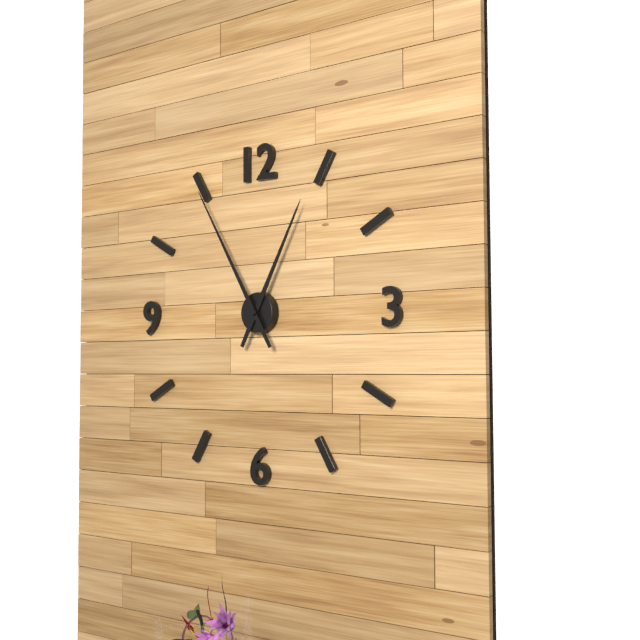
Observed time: 12:55
